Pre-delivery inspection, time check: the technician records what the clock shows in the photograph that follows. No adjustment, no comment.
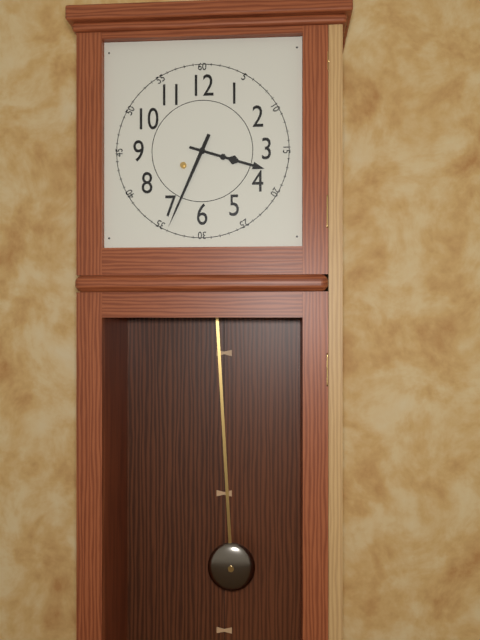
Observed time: 3:34
